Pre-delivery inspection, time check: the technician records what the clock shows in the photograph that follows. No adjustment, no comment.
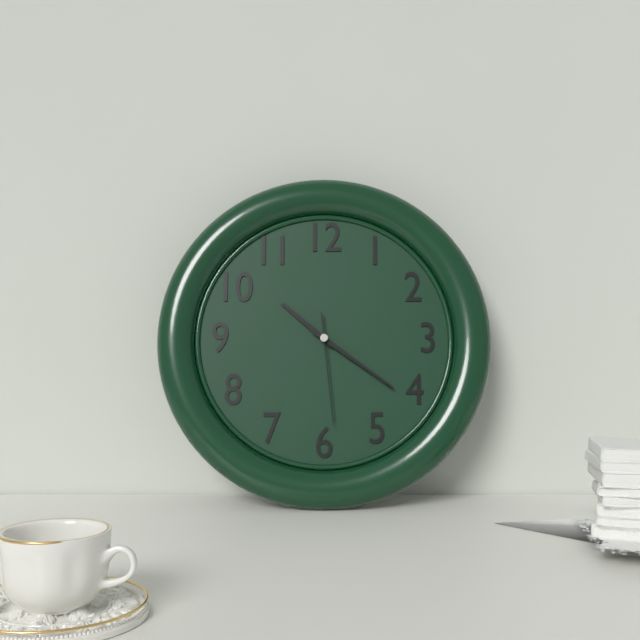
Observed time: 10:21:29
